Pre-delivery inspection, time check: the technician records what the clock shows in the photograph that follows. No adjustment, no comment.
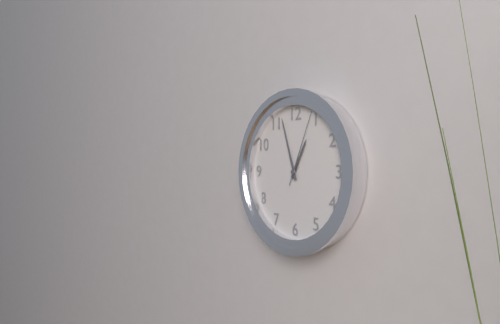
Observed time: 12:57:04
